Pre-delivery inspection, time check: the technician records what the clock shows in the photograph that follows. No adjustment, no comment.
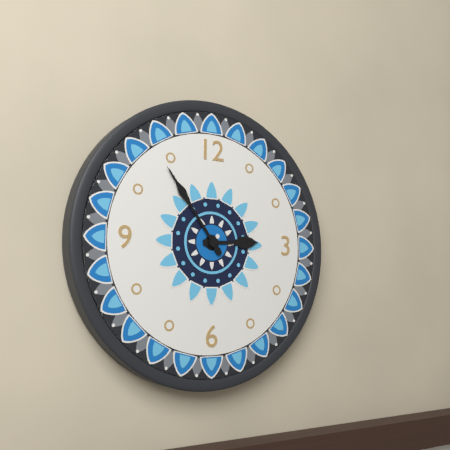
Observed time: 2:54
